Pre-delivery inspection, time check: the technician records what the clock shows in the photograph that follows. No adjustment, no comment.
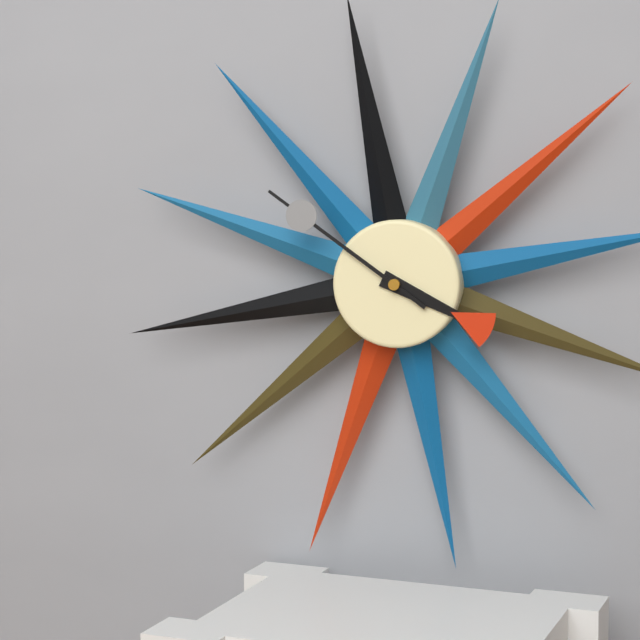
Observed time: 3:51
